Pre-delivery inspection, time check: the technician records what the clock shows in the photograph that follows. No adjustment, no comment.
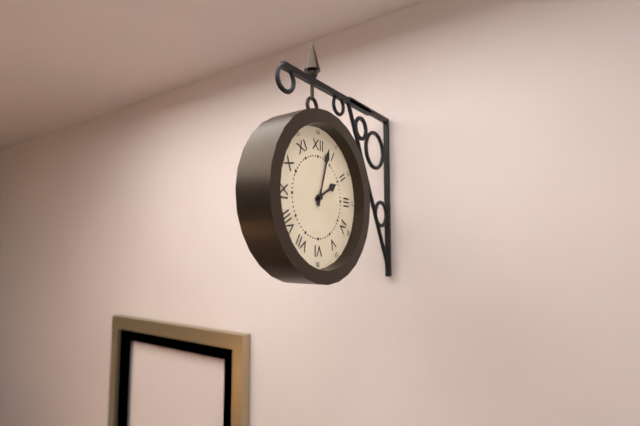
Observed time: 2:03
